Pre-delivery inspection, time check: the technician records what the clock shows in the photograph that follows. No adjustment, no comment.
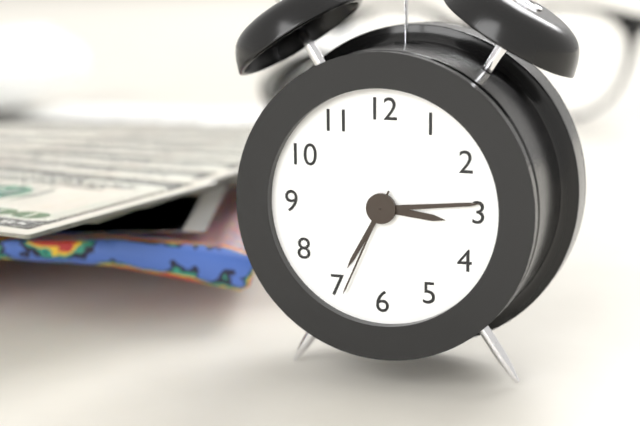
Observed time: 3:14:34
